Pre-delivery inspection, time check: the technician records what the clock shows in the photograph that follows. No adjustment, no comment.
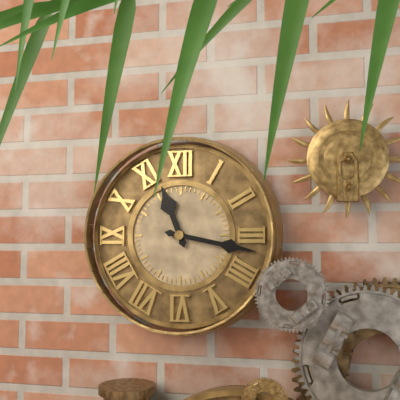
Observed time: 11:17
